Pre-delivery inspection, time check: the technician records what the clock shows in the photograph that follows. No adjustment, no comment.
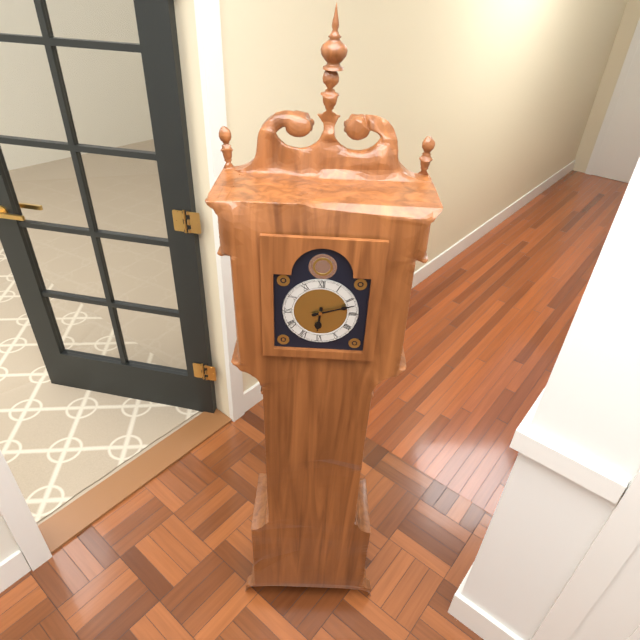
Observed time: 6:12
